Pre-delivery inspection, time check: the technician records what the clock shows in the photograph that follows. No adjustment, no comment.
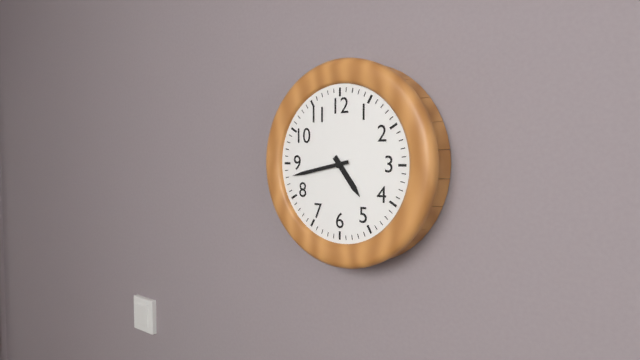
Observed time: 4:43
